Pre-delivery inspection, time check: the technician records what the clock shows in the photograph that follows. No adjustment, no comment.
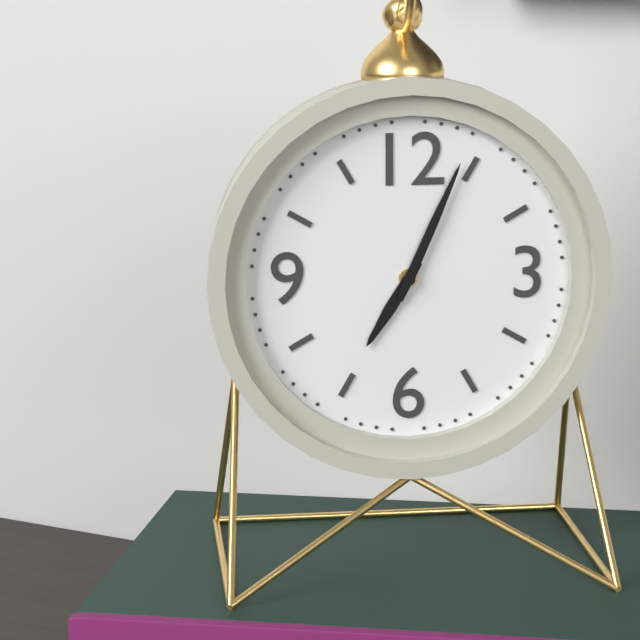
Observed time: 7:04
